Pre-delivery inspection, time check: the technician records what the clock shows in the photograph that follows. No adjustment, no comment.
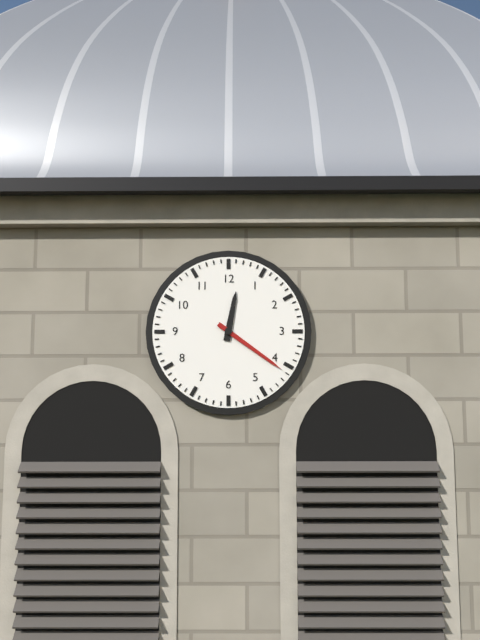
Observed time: 12:21
